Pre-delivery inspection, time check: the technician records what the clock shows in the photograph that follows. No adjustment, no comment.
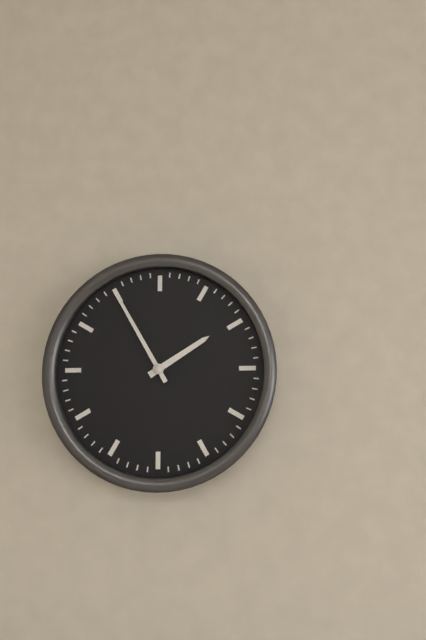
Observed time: 1:55
